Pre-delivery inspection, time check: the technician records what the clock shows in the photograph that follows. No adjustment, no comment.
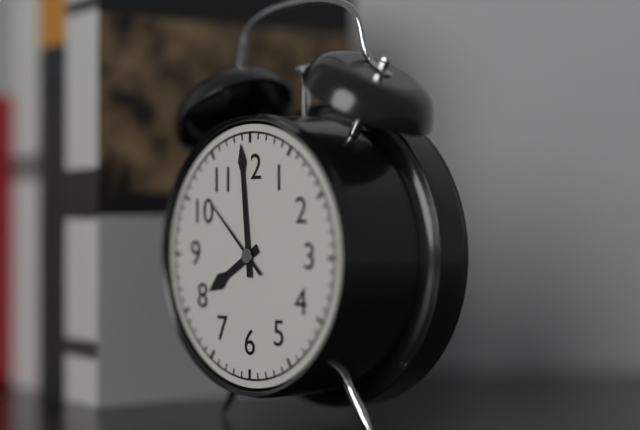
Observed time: 7:59:52
